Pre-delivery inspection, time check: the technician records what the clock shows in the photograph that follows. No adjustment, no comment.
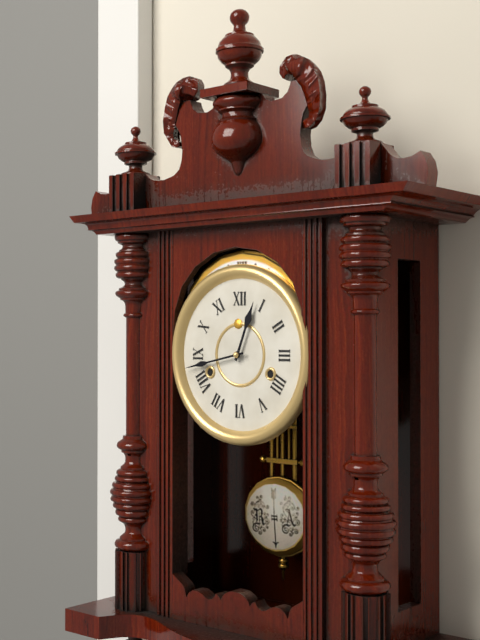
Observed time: 12:43
